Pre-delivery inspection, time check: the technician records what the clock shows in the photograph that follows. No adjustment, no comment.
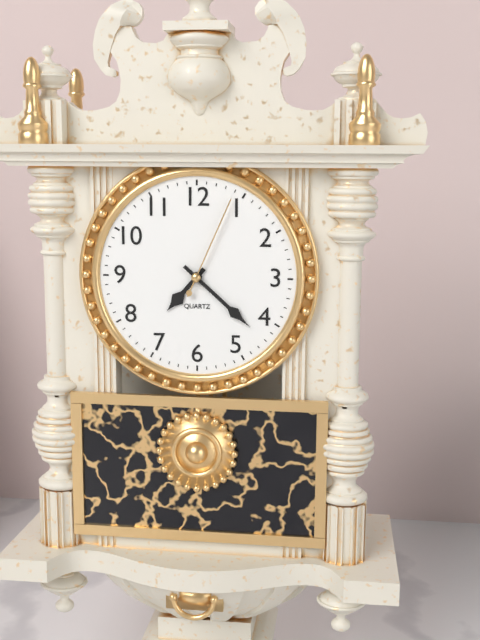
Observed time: 7:22:04
